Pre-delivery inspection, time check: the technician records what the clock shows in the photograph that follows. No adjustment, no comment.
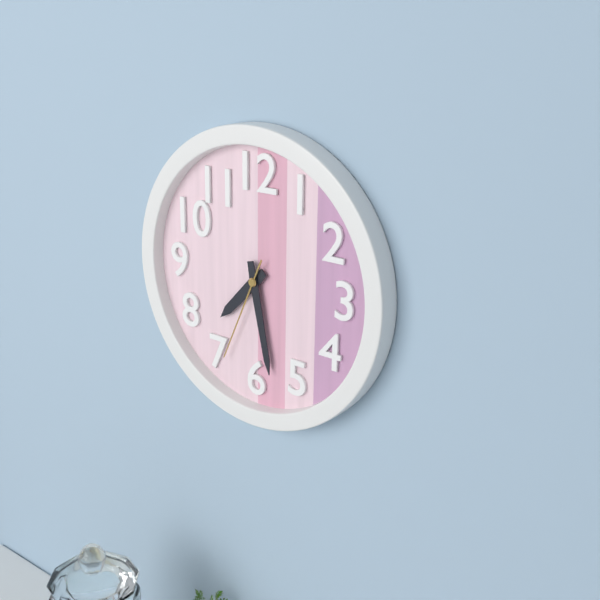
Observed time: 7:28:34
